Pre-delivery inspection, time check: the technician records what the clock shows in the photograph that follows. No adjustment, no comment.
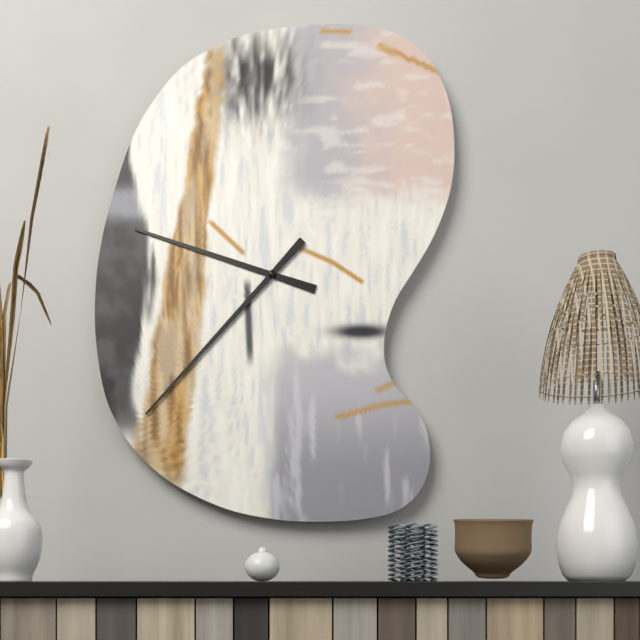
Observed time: 9:37
